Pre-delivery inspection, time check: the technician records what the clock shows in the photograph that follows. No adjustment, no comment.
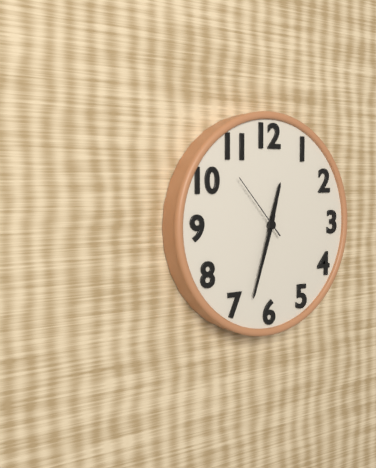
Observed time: 12:33:53
